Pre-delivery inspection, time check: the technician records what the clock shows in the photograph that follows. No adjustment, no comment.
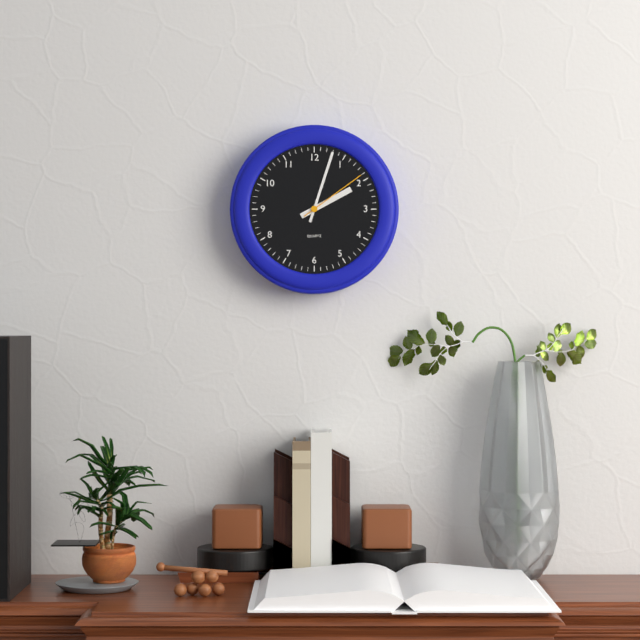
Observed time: 2:03:09
